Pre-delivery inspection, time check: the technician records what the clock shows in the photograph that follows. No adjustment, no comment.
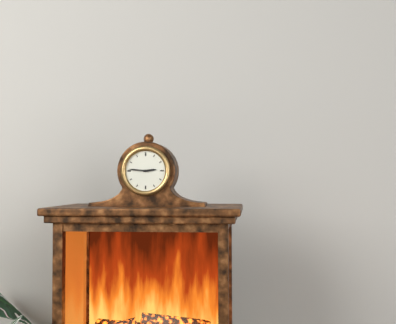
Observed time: 2:46
